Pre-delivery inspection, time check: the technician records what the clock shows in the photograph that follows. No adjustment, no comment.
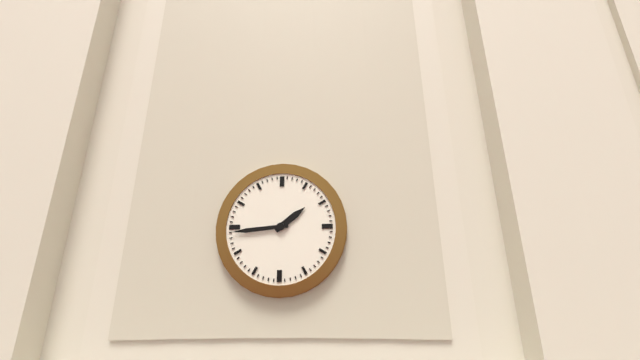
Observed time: 1:44
